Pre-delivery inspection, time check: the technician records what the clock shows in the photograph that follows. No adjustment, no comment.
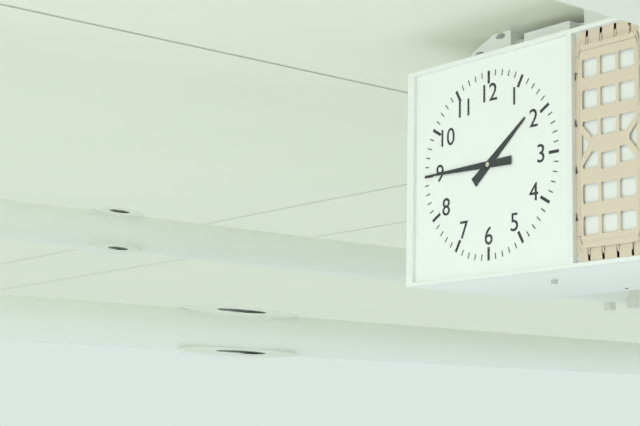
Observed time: 1:45
